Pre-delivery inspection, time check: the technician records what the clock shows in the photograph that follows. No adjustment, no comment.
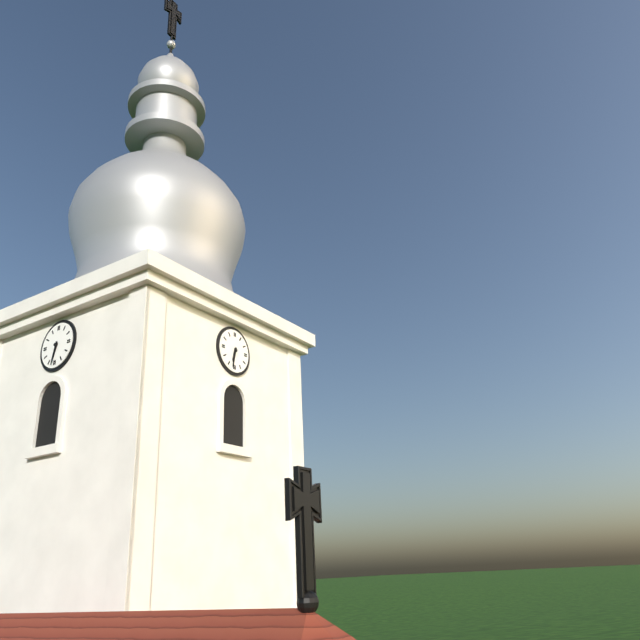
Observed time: 6:32
